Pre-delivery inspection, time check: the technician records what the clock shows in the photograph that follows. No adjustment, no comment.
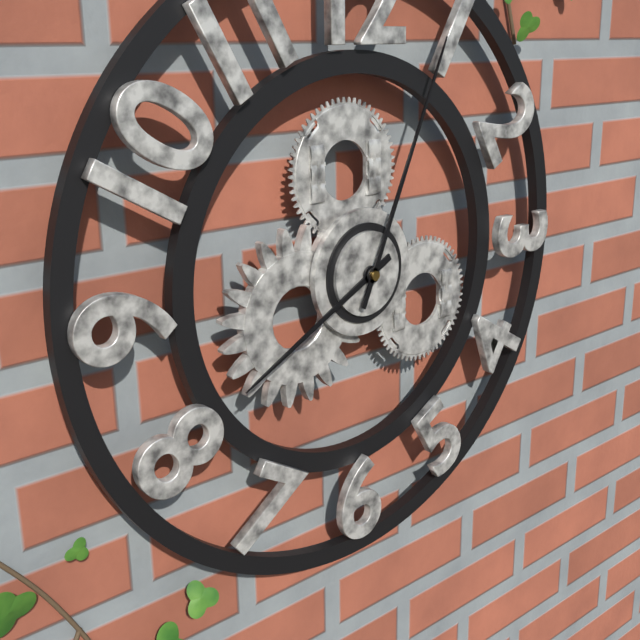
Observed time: 8:04
